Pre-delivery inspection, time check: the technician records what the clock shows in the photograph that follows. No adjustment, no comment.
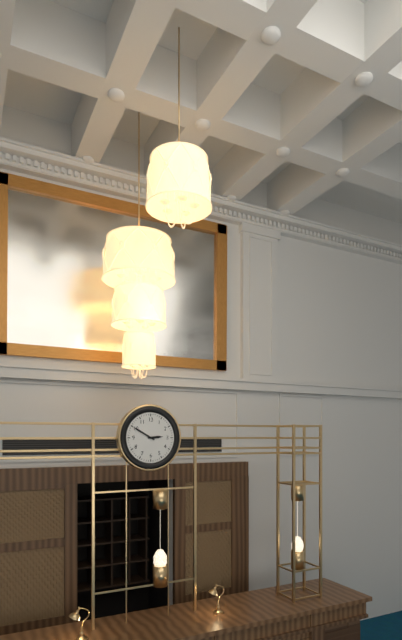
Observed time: 2:50
